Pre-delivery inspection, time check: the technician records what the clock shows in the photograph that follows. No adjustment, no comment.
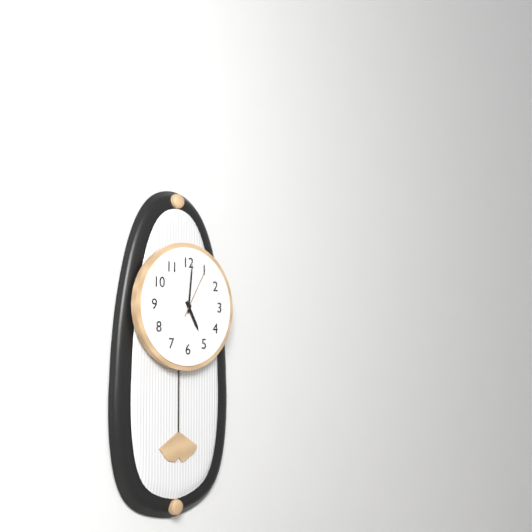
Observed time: 5:01:05
